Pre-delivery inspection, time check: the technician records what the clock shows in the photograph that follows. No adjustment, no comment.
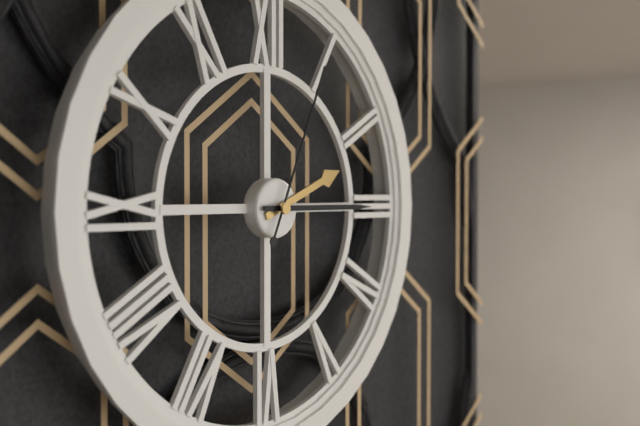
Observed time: 2:15:04
